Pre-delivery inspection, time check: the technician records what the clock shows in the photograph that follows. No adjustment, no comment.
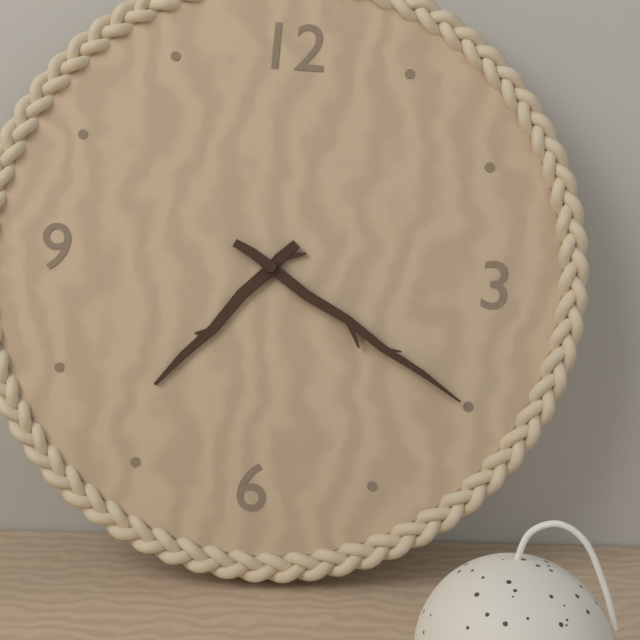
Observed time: 7:20
